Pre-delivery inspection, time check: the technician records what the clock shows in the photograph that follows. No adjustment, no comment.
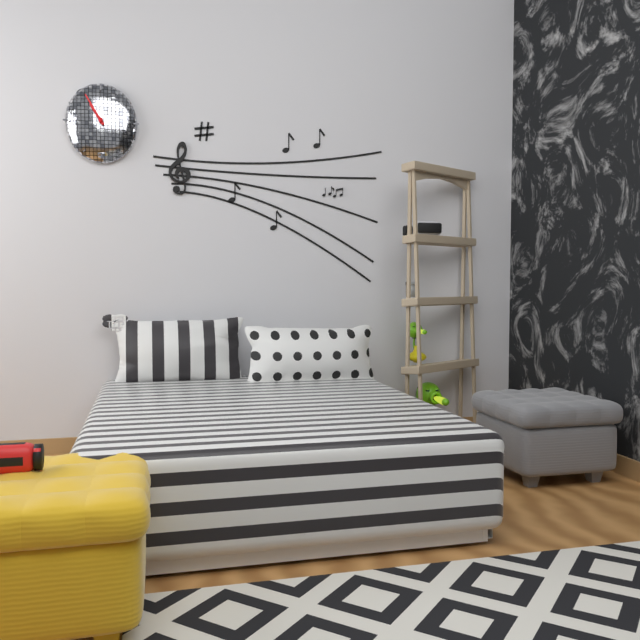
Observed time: 10:55
